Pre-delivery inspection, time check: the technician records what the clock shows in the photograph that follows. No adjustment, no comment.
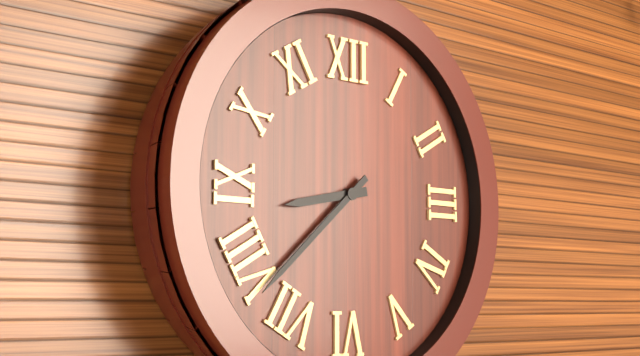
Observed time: 8:38
